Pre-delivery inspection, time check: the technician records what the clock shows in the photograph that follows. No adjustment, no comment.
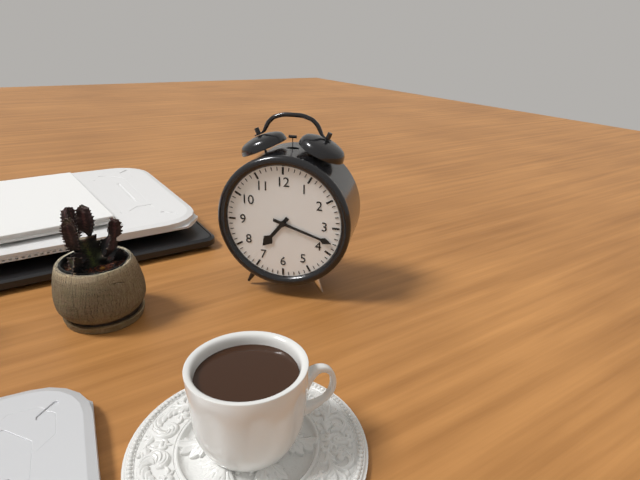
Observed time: 7:18
